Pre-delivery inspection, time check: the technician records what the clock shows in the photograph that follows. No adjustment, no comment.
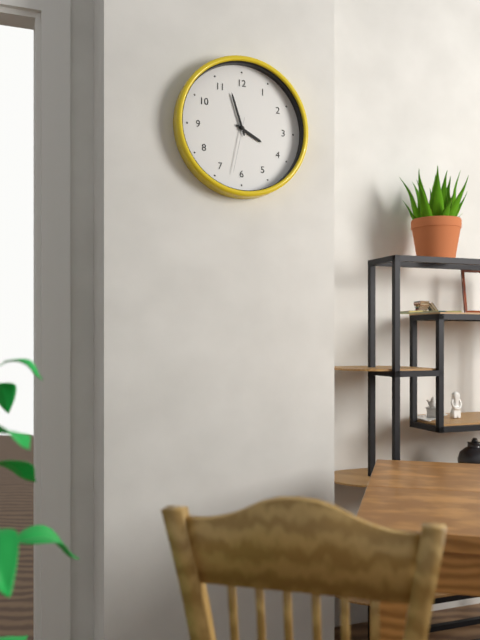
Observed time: 3:57:32
